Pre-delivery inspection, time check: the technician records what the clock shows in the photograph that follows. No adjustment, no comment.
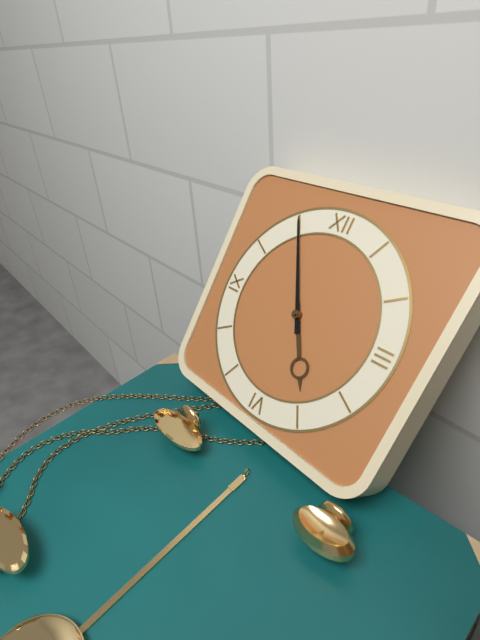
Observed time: 4:55
